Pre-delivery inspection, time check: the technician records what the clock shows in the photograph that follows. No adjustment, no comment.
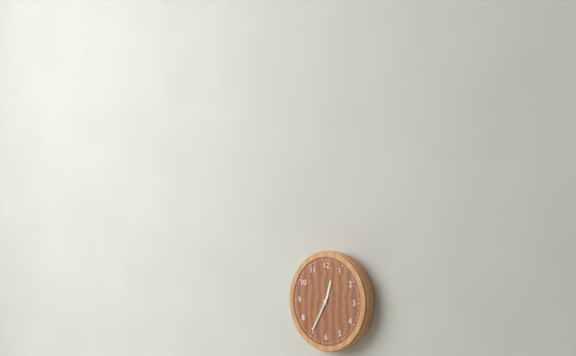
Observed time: 12:35
